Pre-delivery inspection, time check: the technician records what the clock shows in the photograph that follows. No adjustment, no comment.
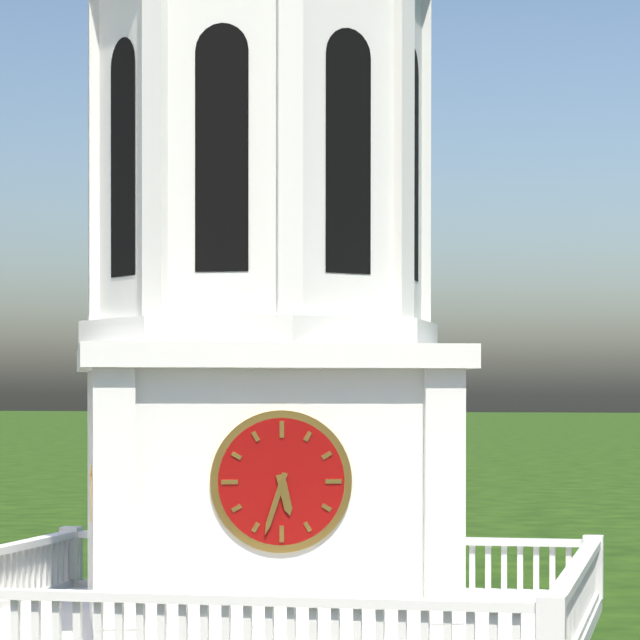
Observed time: 5:33
